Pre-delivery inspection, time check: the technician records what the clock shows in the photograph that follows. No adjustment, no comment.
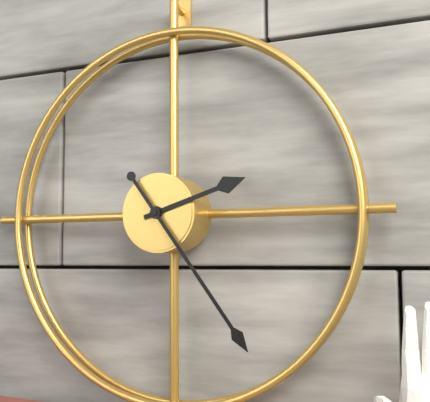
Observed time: 2:24
